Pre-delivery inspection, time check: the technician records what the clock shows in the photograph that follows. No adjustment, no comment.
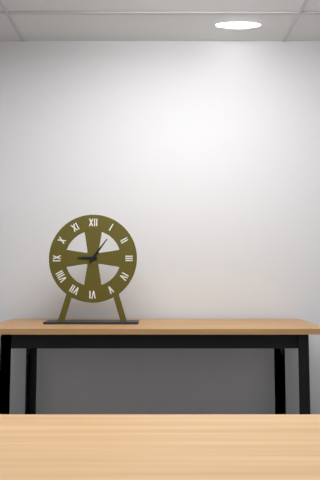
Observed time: 9:06
